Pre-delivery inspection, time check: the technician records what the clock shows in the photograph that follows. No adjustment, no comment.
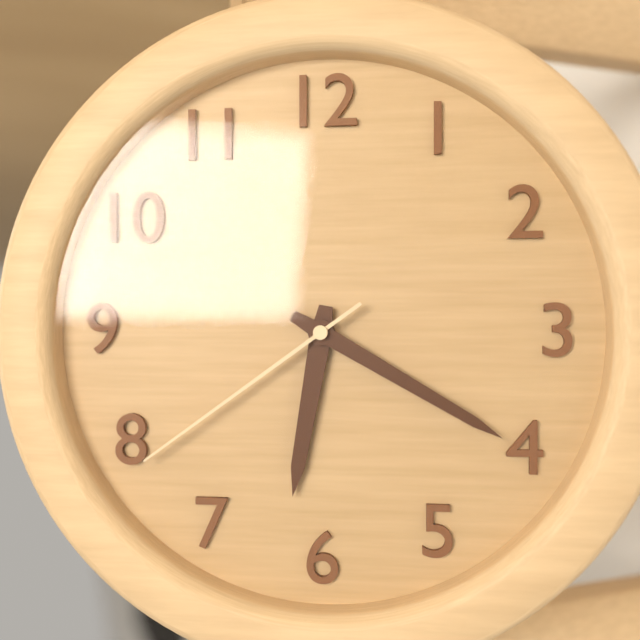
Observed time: 6:20:39
